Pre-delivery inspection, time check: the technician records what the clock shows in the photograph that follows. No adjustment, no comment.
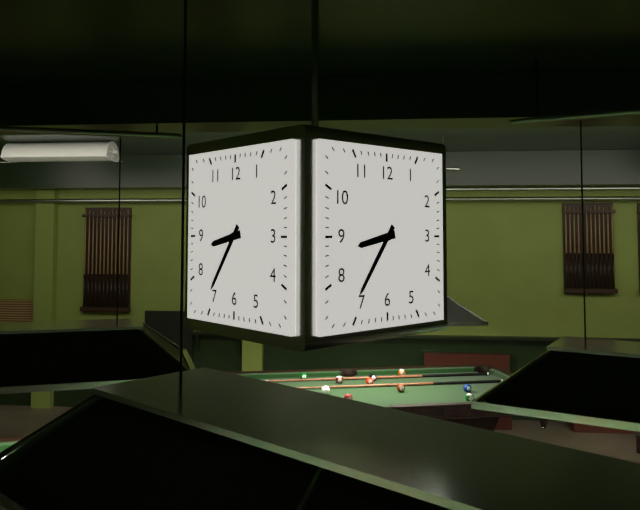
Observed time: 8:36
